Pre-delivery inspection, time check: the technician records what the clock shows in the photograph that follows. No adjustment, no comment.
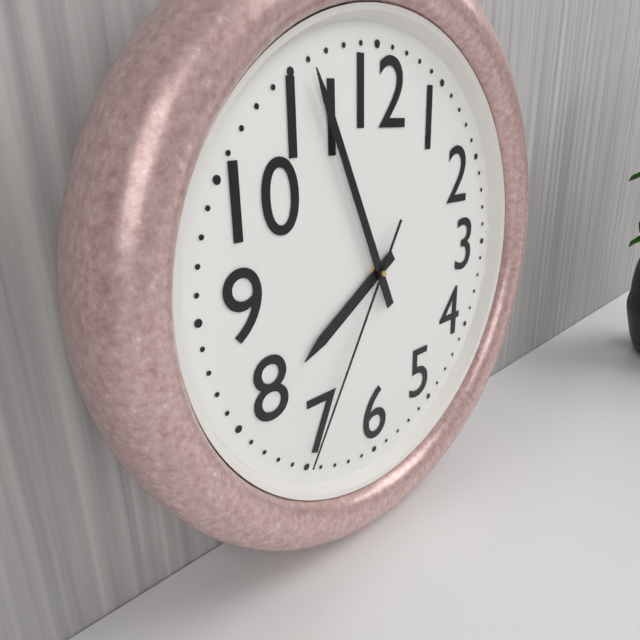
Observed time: 7:56:35
